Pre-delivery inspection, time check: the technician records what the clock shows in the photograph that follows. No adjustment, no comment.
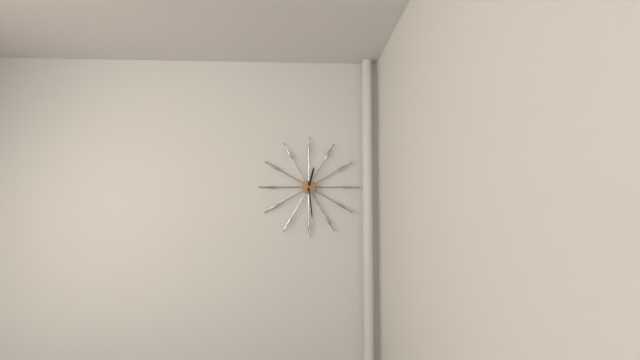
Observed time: 12:29
